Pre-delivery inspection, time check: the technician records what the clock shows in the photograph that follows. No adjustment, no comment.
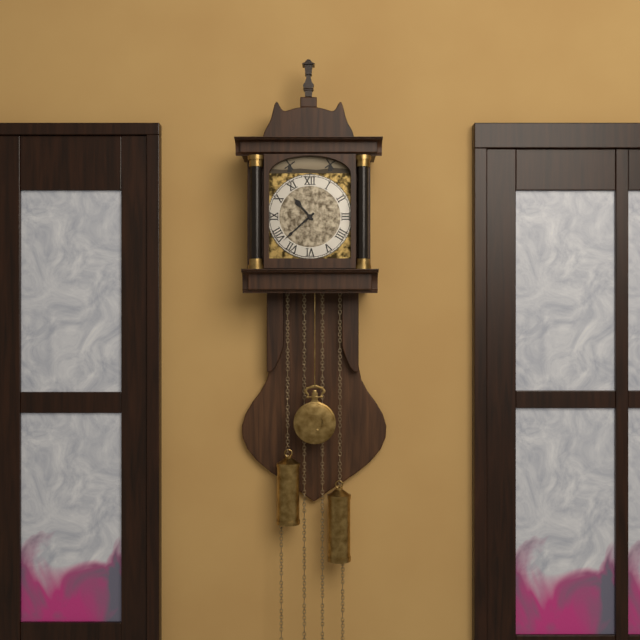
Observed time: 10:38
